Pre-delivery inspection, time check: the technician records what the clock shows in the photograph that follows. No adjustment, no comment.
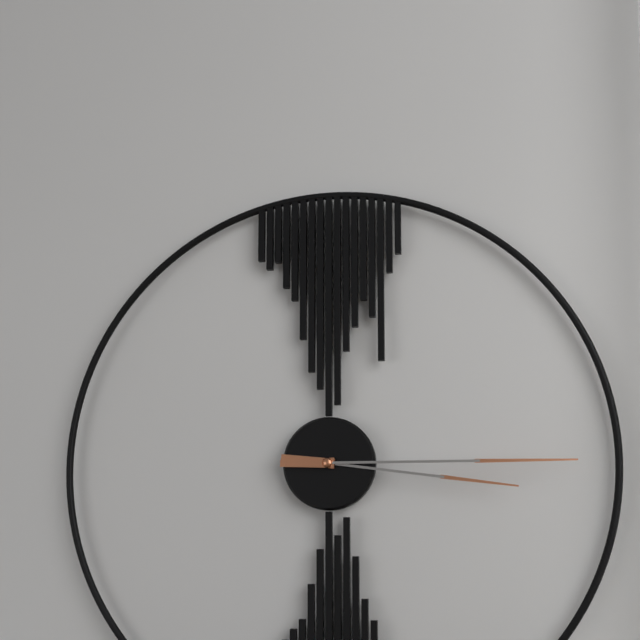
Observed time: 3:15
